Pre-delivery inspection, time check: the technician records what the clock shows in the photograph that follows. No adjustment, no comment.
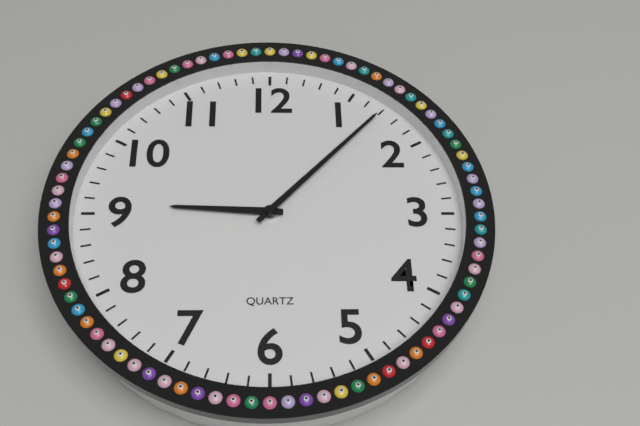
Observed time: 9:07
